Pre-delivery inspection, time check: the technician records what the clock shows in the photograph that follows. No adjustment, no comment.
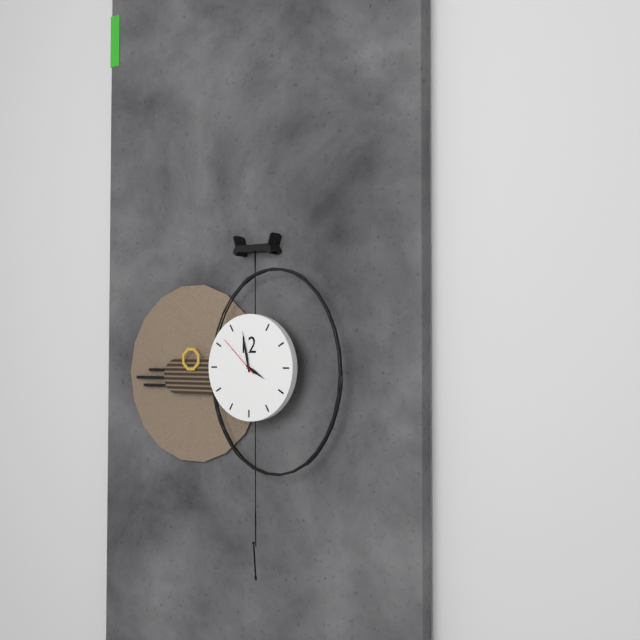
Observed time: 3:58
